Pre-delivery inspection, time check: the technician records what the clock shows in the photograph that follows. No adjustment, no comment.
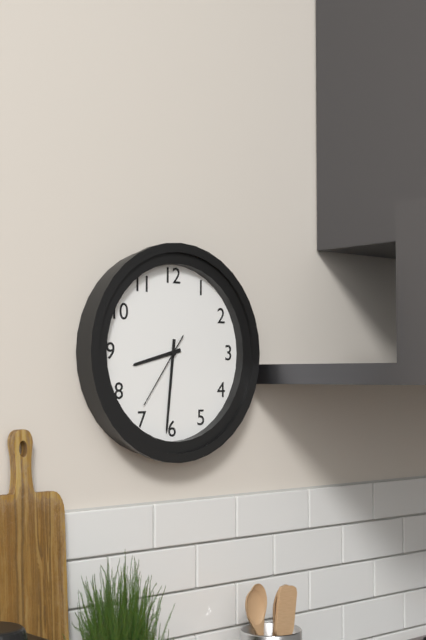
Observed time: 8:31:36
